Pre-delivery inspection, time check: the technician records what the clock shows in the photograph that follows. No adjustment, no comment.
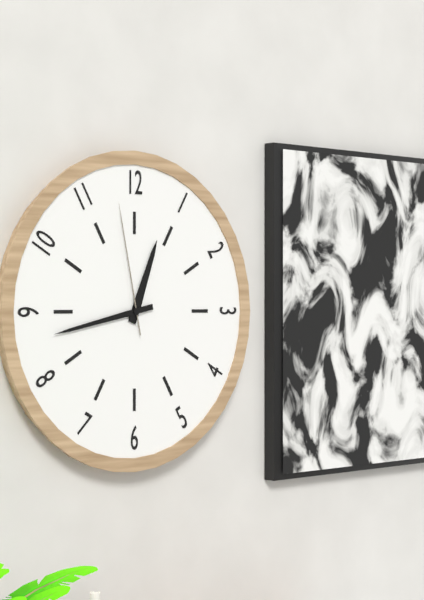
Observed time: 12:43:58
